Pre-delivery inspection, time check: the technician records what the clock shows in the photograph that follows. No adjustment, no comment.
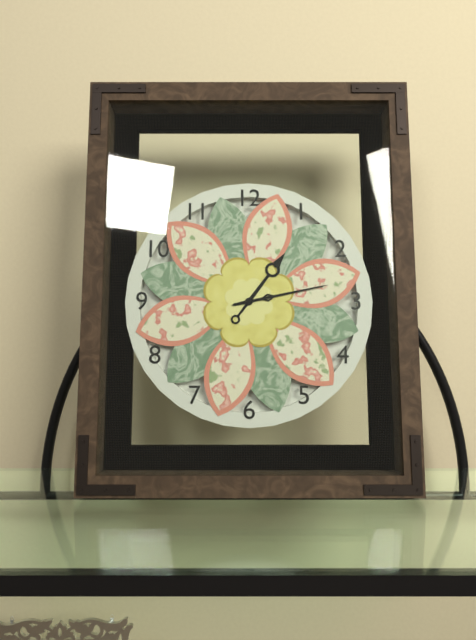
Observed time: 1:13
